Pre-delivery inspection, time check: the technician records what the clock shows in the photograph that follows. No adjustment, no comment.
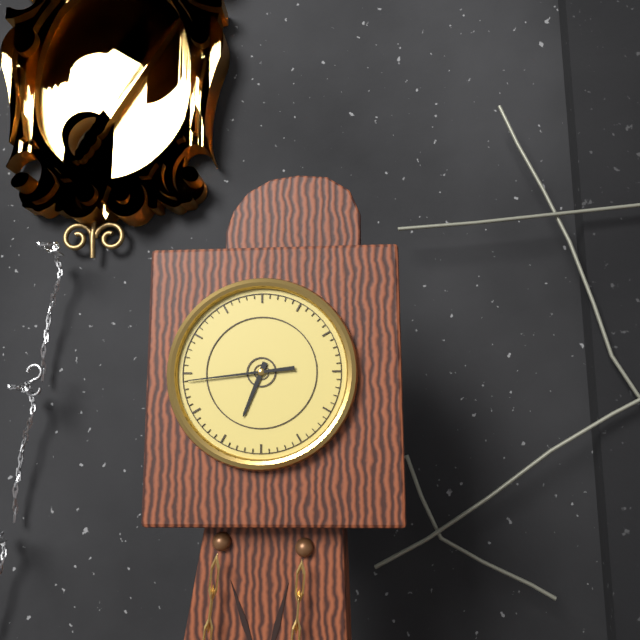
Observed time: 6:44
